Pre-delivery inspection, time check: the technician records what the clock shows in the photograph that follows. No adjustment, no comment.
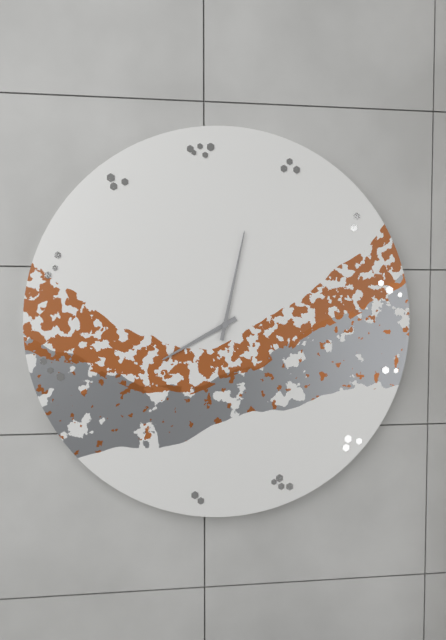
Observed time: 8:02
